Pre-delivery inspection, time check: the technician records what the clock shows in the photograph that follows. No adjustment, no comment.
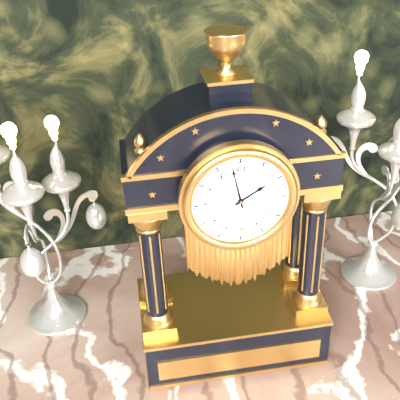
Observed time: 1:58
